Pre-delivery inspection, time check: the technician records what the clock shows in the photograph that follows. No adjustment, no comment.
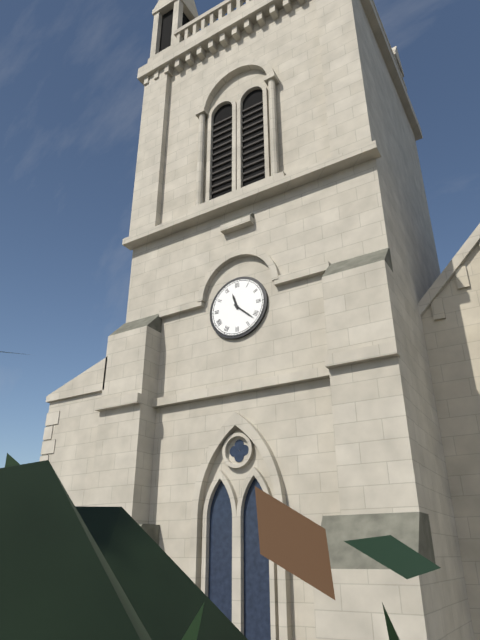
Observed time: 11:22
